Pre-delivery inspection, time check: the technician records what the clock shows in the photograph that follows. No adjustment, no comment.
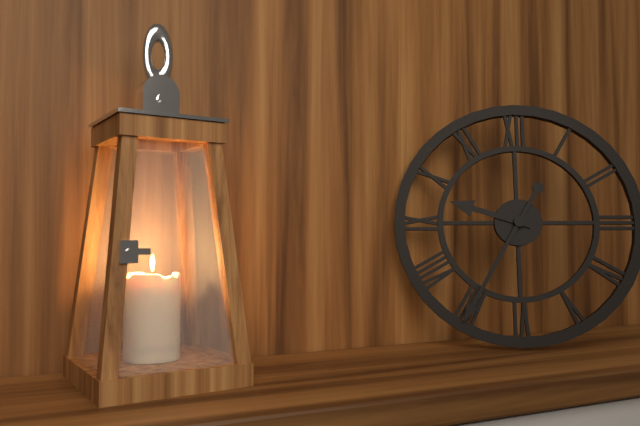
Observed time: 9:35
